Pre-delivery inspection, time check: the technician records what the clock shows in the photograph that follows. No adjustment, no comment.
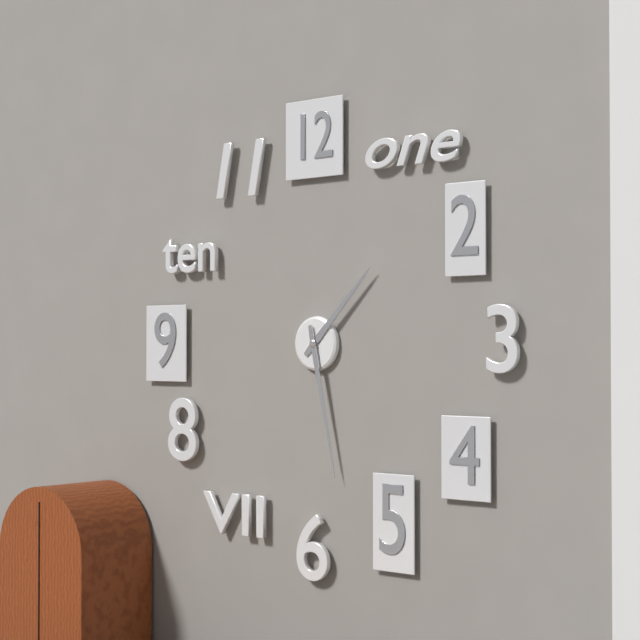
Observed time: 1:28
